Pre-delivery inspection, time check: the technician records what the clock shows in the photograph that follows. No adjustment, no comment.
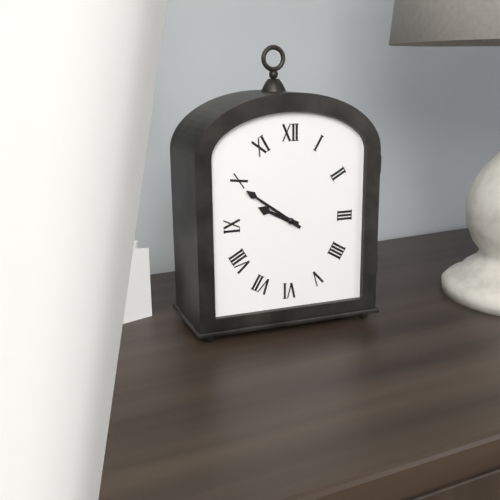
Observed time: 9:51
